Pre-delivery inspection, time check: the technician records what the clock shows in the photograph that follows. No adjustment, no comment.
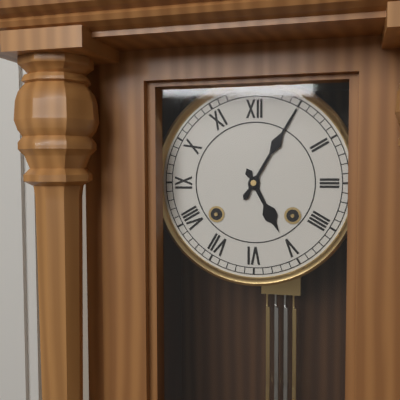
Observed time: 5:05
